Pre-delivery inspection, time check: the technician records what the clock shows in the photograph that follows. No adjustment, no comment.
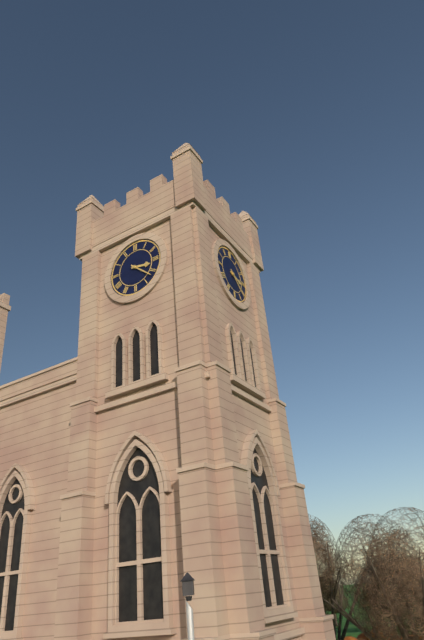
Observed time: 3:22
